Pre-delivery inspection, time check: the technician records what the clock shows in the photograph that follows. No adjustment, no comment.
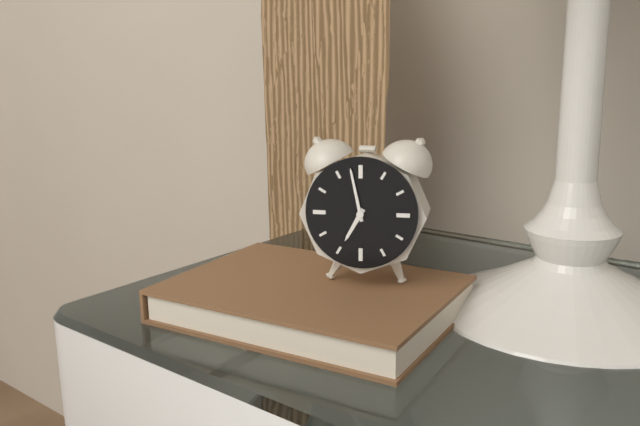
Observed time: 6:58
